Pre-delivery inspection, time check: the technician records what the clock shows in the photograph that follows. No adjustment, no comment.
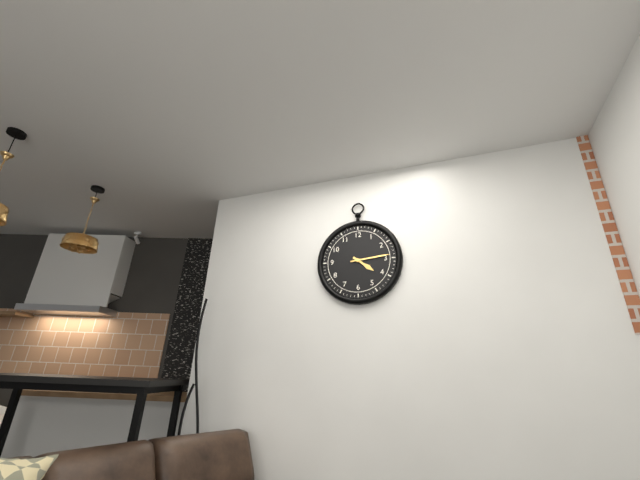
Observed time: 4:14
